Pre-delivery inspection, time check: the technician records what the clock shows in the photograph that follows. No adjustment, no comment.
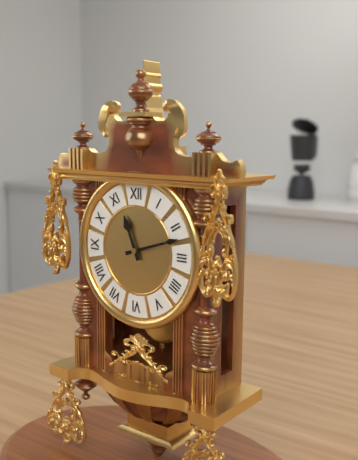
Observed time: 11:12
